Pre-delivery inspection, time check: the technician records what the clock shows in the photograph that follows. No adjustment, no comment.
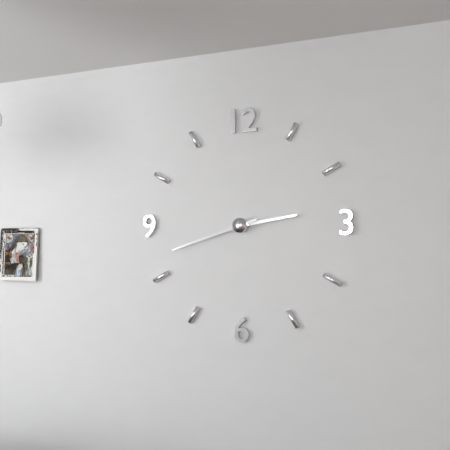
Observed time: 2:42
